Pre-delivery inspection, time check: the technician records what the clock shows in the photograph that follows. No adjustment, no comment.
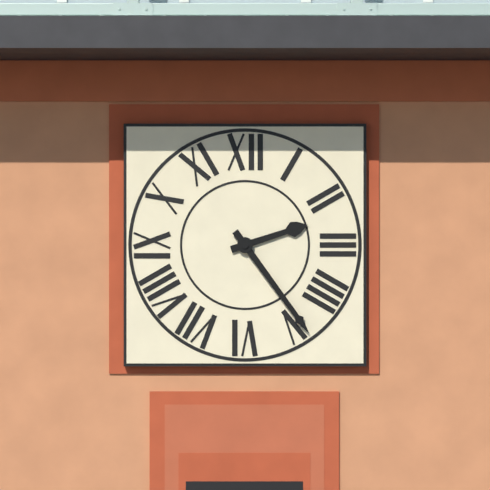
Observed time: 2:24
